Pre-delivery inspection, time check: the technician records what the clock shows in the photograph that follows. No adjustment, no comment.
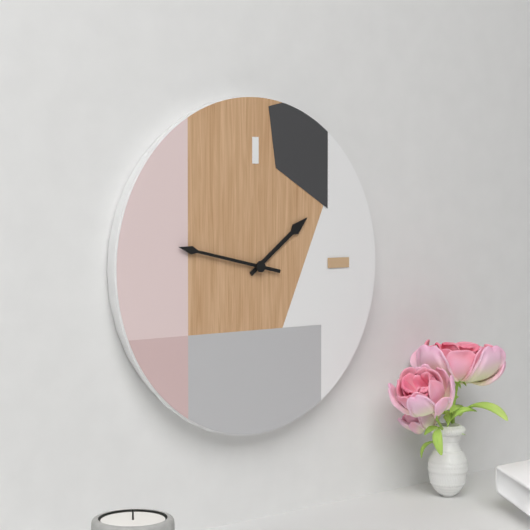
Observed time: 1:47
